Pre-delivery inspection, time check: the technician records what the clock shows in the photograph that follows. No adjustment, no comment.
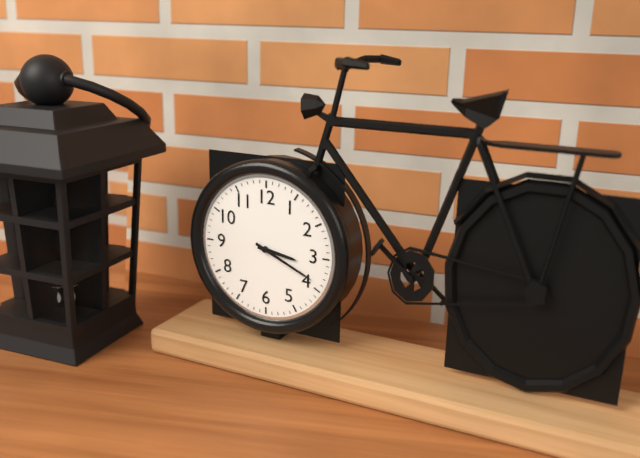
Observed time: 3:19
